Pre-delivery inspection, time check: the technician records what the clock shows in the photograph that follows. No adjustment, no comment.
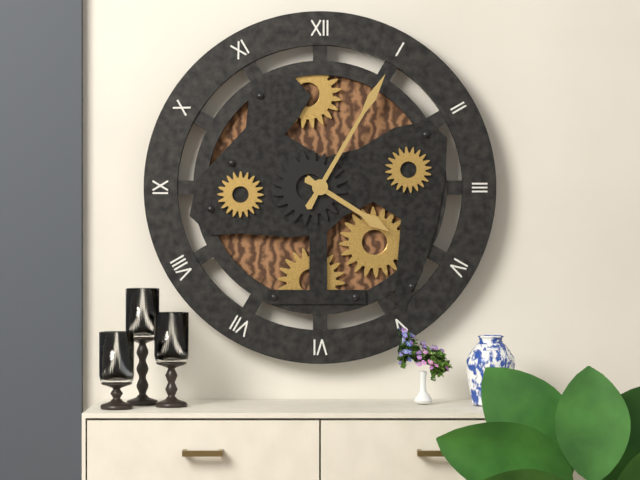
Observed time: 4:05
